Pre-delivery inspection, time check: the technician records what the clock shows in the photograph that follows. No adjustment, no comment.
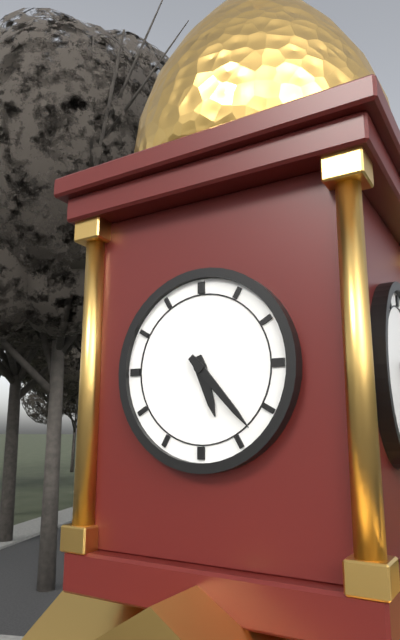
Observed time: 5:23
